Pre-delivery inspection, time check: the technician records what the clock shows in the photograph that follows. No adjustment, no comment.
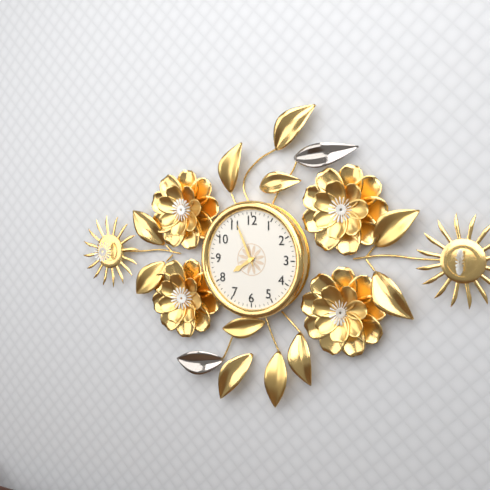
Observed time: 7:56
